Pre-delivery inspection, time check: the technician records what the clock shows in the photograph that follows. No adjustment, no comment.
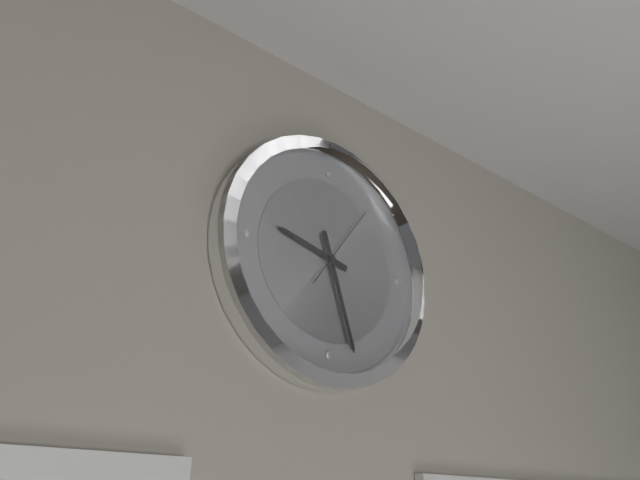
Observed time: 9:27:06
